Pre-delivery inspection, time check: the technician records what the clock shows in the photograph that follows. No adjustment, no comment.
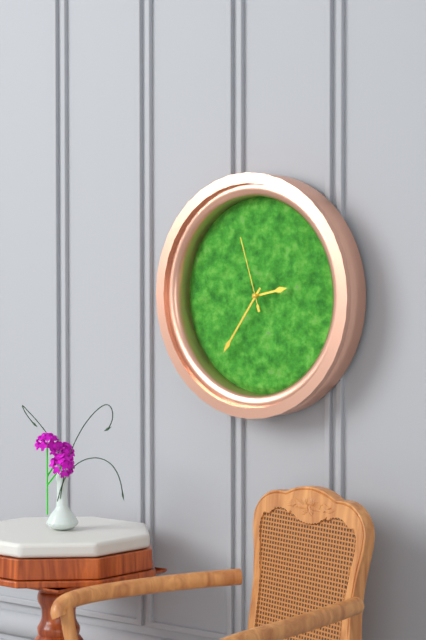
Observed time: 2:36:57
